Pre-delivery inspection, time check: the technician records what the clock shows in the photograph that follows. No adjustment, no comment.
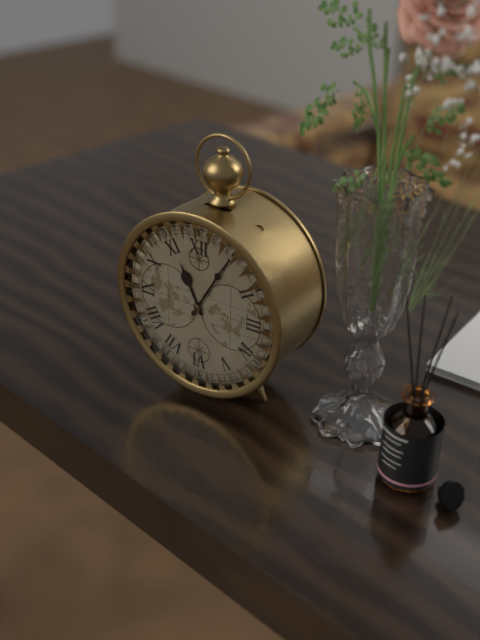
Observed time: 11:05
